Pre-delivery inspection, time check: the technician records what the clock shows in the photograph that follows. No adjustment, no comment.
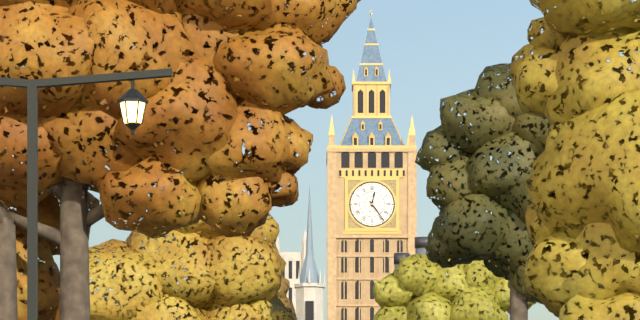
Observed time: 12:24
